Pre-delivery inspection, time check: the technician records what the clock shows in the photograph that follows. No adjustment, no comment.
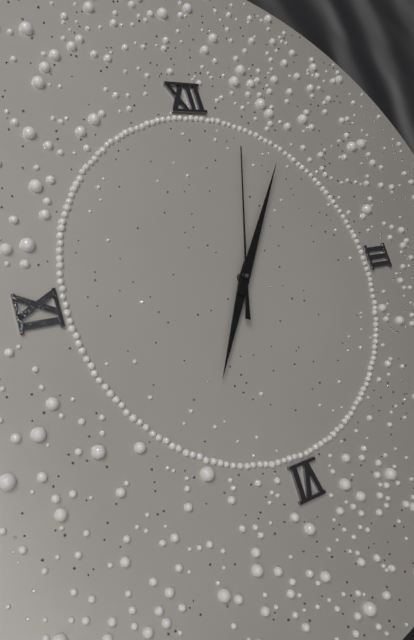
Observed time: 7:06:03
